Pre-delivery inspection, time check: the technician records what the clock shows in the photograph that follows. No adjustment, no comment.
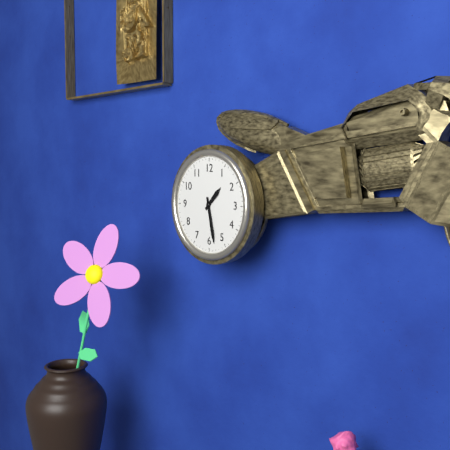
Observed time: 1:28
